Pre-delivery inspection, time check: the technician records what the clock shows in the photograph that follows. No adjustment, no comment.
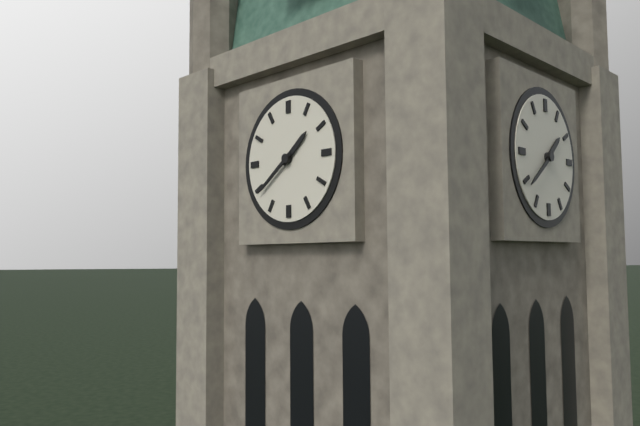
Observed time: 1:39
